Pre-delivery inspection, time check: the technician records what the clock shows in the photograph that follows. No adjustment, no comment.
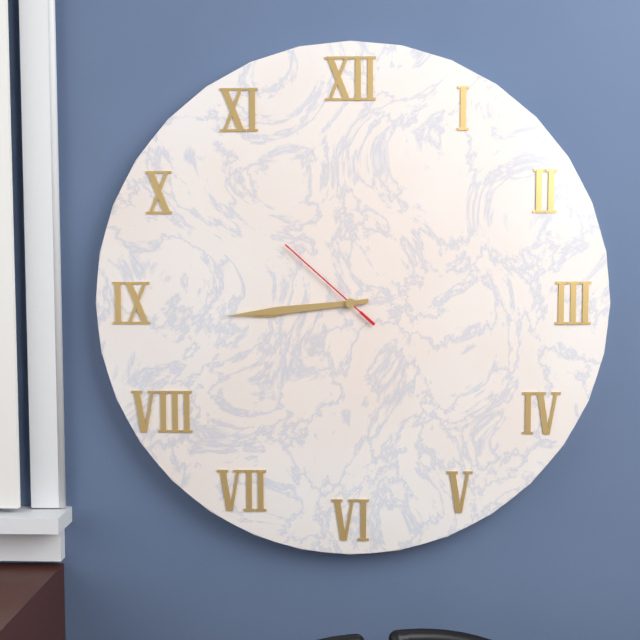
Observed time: 8:44:52
